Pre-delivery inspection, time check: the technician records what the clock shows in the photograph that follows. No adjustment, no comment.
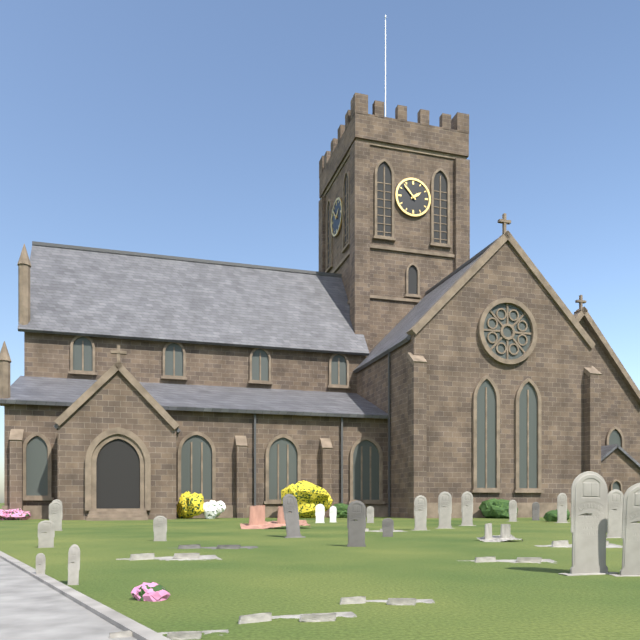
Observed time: 1:53
